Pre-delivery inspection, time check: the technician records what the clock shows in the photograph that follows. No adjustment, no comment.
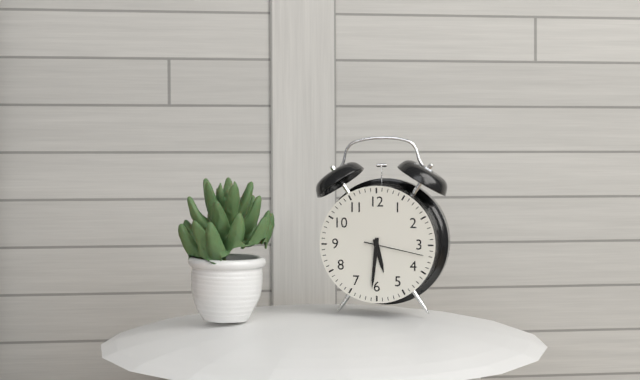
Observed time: 5:31:17
